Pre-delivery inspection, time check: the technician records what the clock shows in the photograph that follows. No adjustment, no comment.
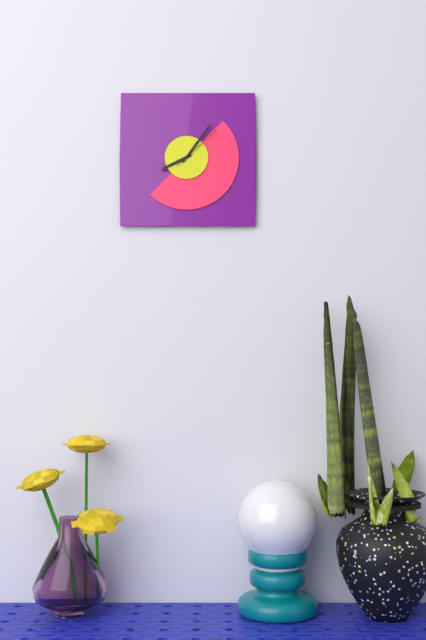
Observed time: 8:06:08
